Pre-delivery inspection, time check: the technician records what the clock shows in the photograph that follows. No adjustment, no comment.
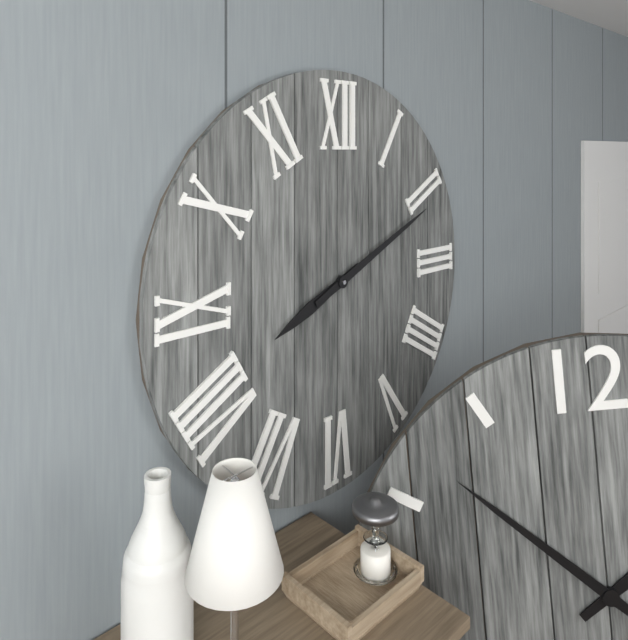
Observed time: 8:11
